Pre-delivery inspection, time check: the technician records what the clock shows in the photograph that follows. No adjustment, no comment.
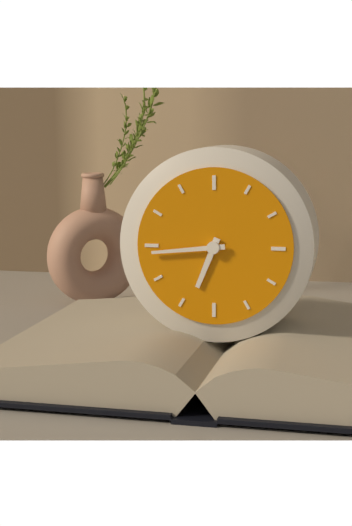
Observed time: 6:44
